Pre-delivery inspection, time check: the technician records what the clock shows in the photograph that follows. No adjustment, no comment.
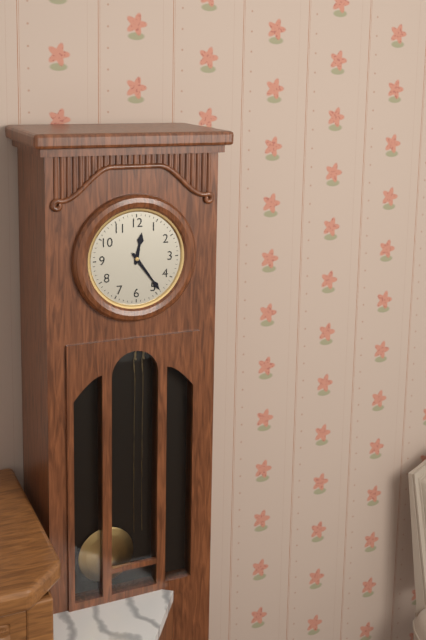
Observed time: 12:24
